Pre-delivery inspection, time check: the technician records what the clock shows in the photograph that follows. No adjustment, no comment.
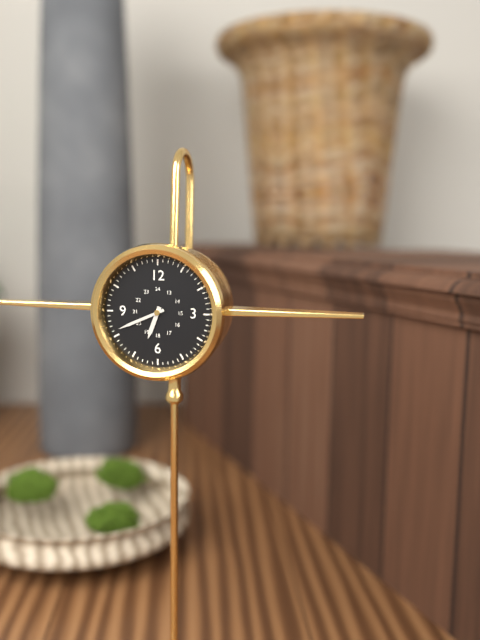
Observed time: 6:41
